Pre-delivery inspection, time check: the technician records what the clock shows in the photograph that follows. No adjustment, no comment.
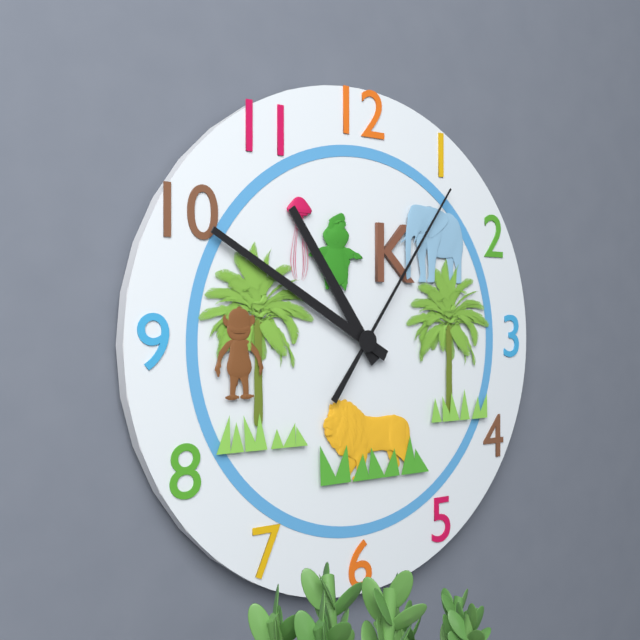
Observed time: 10:50:06
